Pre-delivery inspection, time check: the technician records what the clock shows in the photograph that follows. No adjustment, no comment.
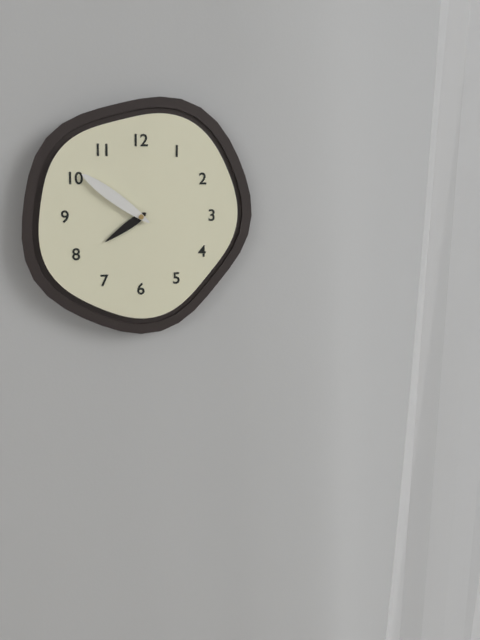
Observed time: 7:51
